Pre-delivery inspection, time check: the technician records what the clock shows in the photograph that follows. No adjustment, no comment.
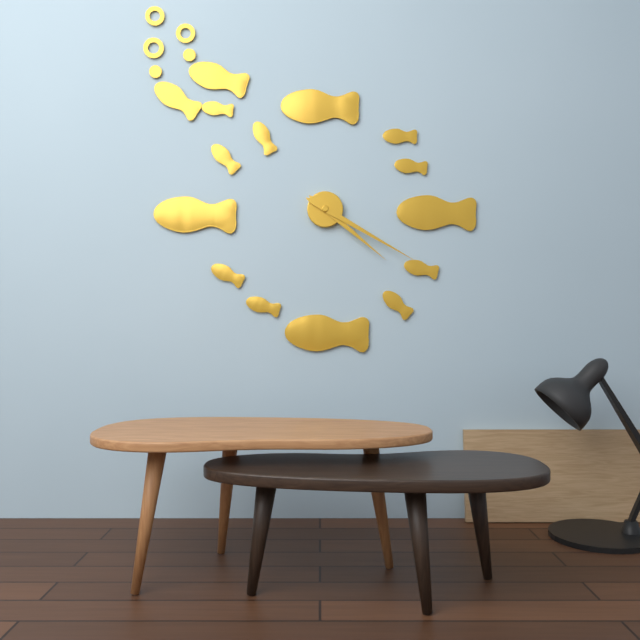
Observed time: 4:20
